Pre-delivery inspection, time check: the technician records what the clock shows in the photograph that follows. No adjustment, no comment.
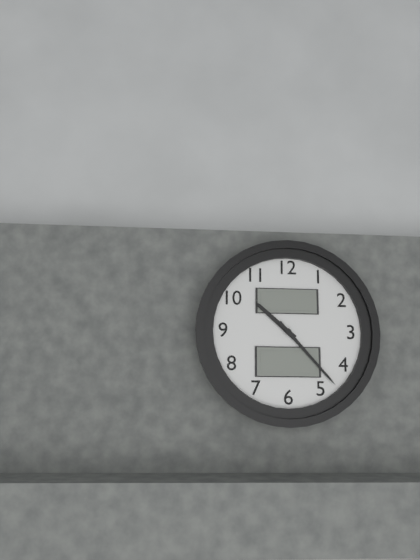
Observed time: 10:23
